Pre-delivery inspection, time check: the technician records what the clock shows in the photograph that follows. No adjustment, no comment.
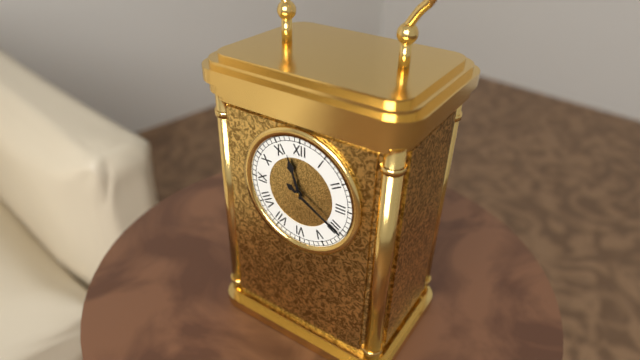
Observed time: 11:20
